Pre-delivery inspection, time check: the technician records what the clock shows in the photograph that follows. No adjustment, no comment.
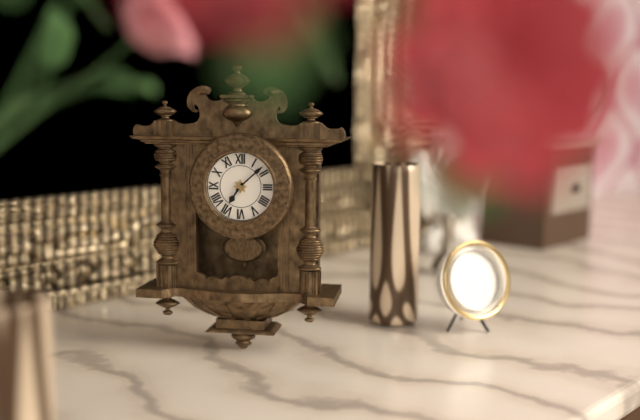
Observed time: 7:08
